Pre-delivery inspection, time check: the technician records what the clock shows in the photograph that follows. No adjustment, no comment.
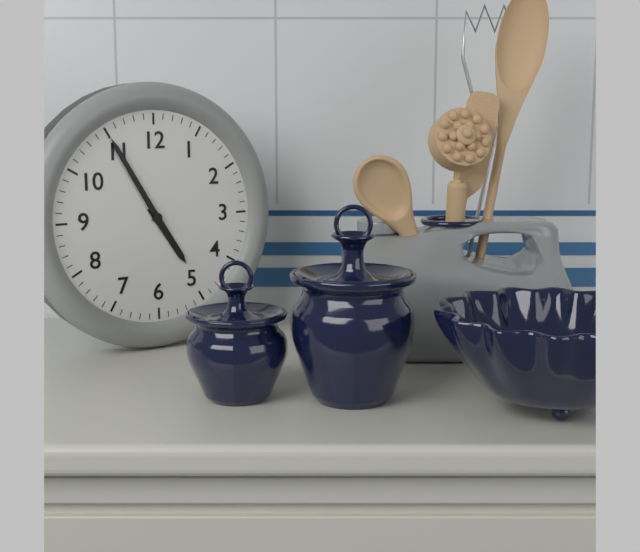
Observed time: 4:55
